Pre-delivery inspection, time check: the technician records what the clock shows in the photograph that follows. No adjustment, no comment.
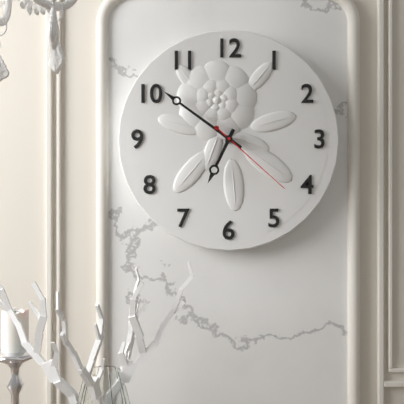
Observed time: 6:51:22
